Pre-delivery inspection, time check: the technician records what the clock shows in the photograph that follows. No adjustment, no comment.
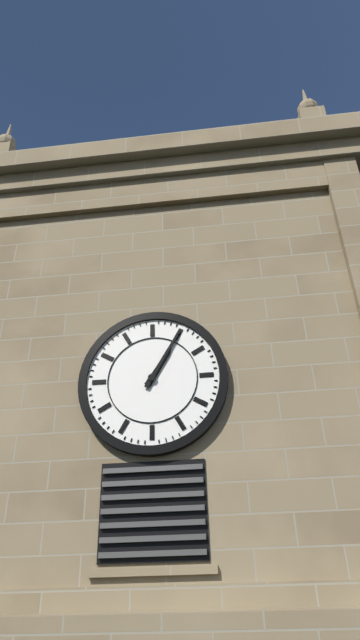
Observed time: 1:05
